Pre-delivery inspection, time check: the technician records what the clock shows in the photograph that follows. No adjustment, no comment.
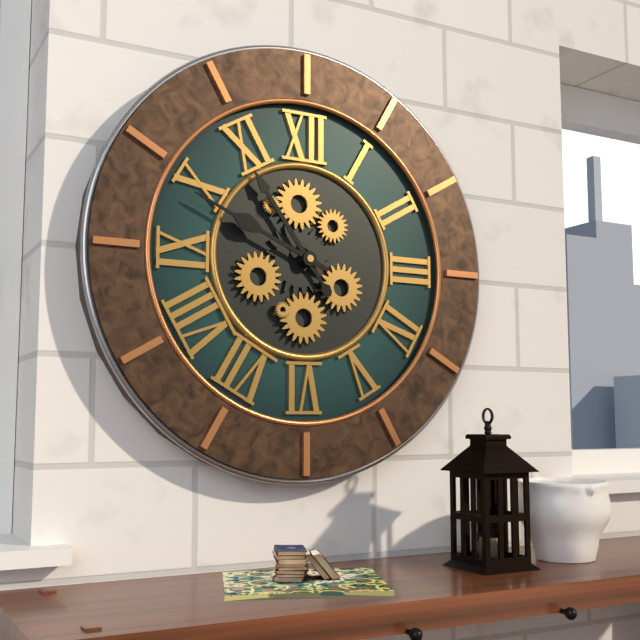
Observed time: 10:49
